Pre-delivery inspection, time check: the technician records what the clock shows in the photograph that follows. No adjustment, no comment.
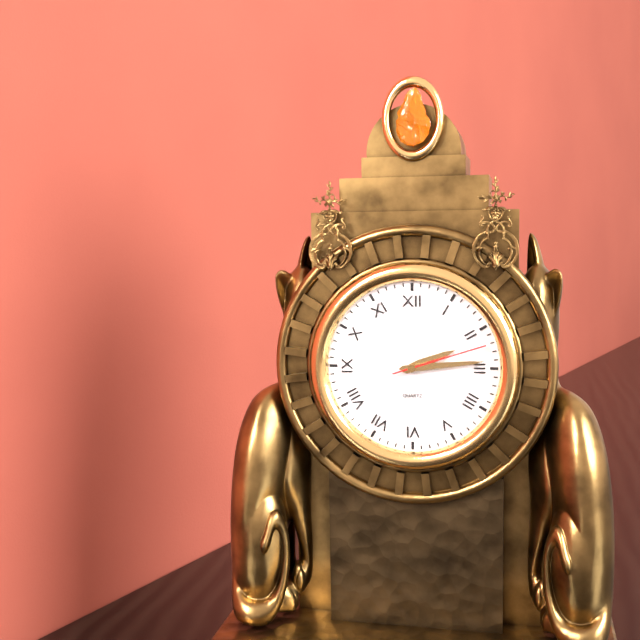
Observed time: 2:14:12
